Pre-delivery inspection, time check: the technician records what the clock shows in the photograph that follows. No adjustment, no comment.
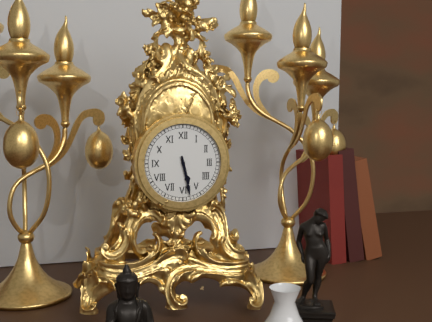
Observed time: 5:28
